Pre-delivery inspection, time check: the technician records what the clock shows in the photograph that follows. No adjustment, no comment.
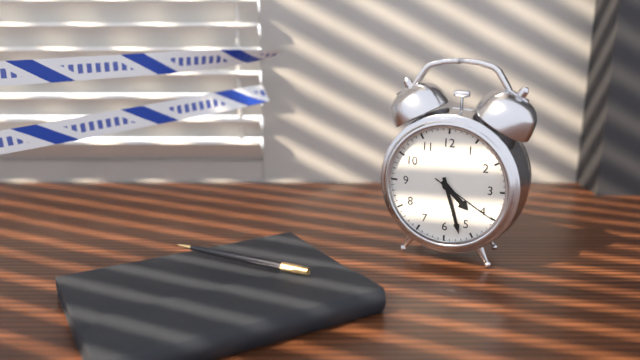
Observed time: 4:27:20
